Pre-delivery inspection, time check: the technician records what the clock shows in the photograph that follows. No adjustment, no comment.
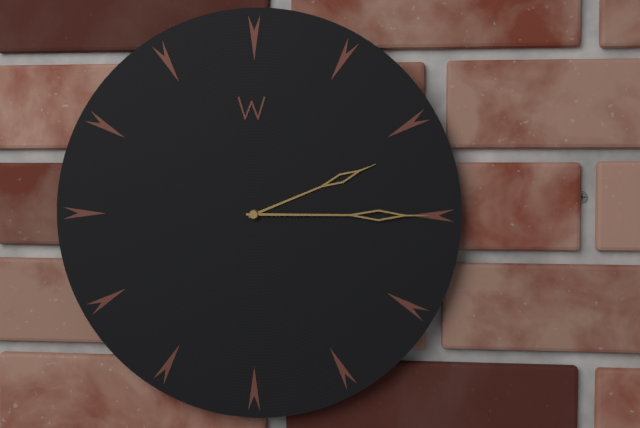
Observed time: 2:15
